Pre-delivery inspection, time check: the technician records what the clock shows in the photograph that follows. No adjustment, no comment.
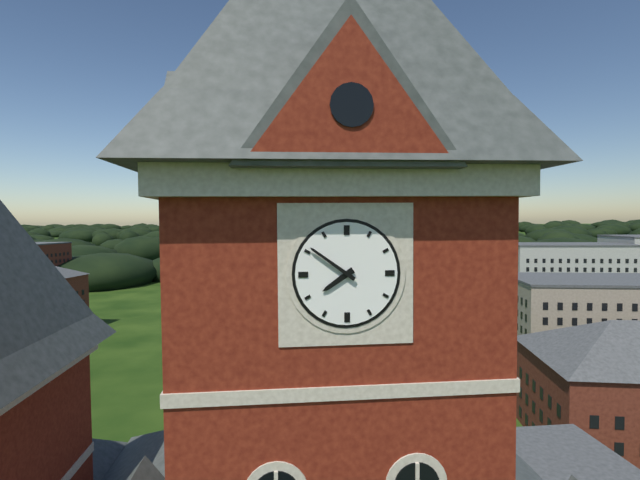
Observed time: 7:51
